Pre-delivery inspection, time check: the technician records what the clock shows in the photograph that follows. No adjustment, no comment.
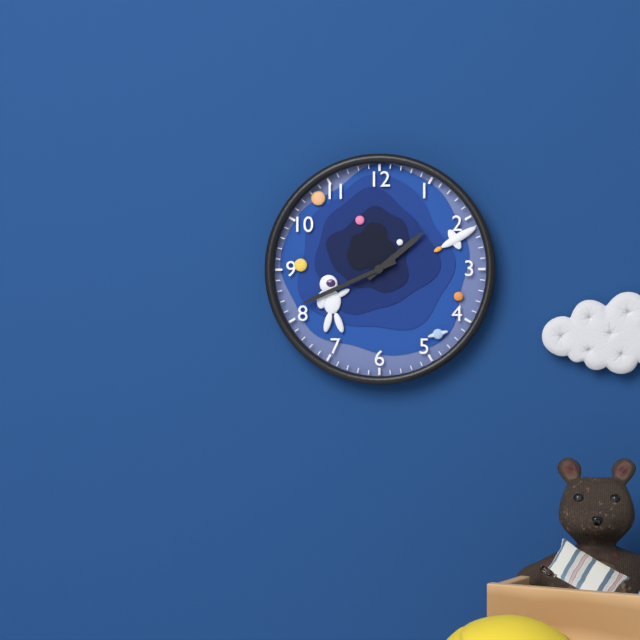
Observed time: 1:41
